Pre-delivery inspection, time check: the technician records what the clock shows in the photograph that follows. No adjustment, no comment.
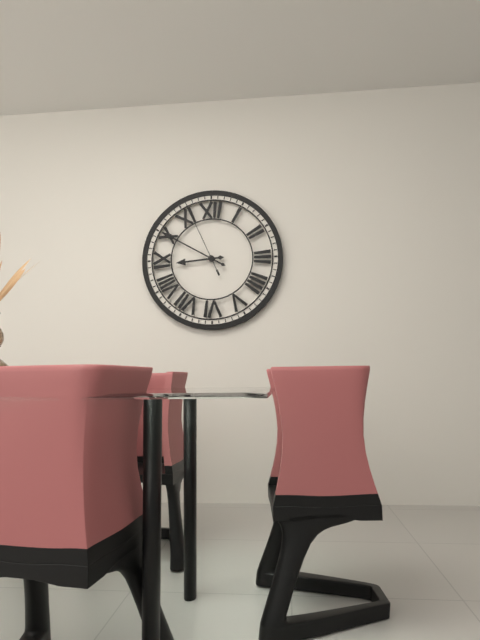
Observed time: 8:50:56
